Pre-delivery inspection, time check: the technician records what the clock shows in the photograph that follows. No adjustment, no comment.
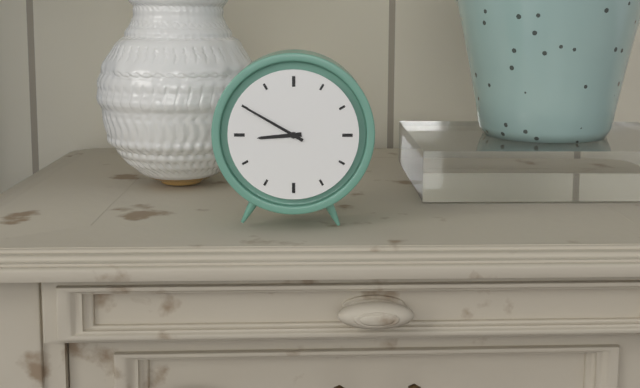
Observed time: 8:50
